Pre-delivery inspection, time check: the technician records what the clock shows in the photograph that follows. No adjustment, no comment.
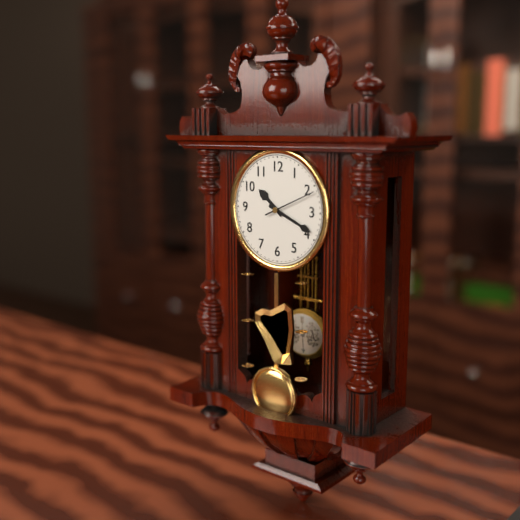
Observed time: 10:19:11
